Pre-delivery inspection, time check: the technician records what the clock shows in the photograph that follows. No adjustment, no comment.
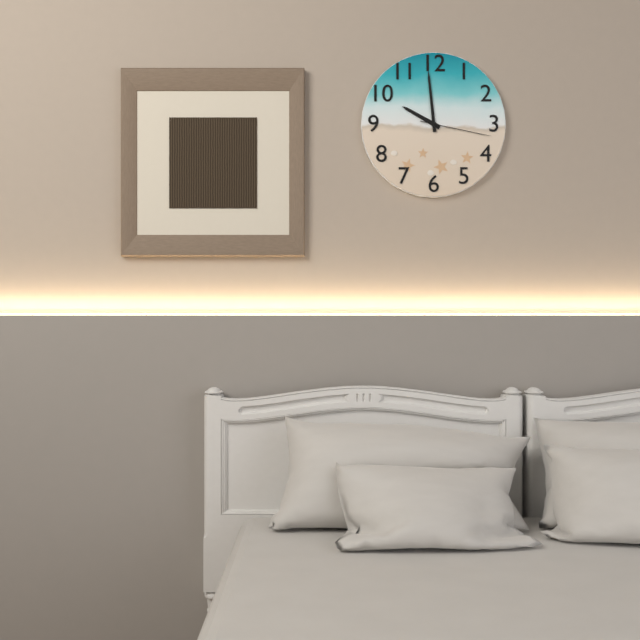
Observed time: 9:59:17
